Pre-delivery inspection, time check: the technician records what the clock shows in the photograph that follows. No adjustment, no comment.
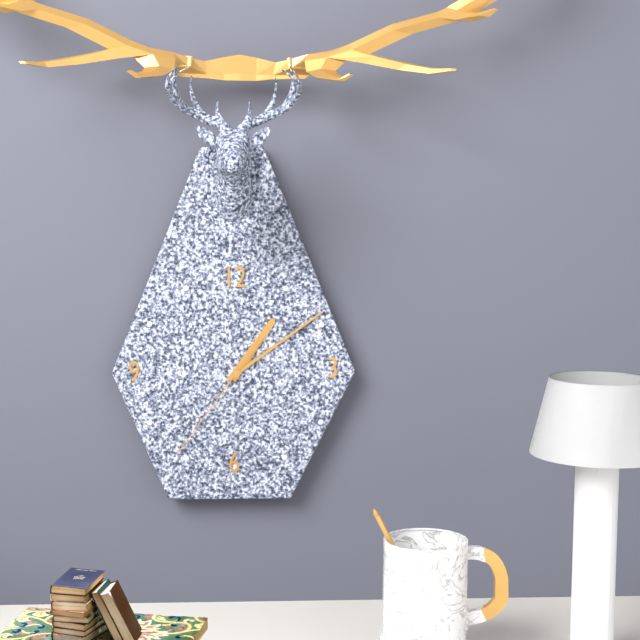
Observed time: 1:09:36
